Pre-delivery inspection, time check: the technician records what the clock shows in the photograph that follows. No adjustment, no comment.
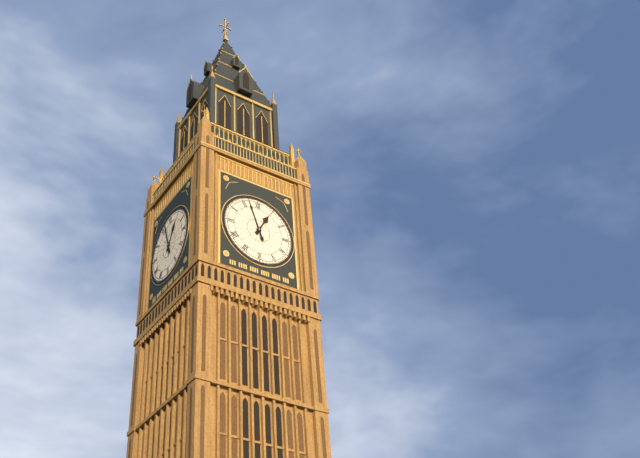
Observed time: 12:57
